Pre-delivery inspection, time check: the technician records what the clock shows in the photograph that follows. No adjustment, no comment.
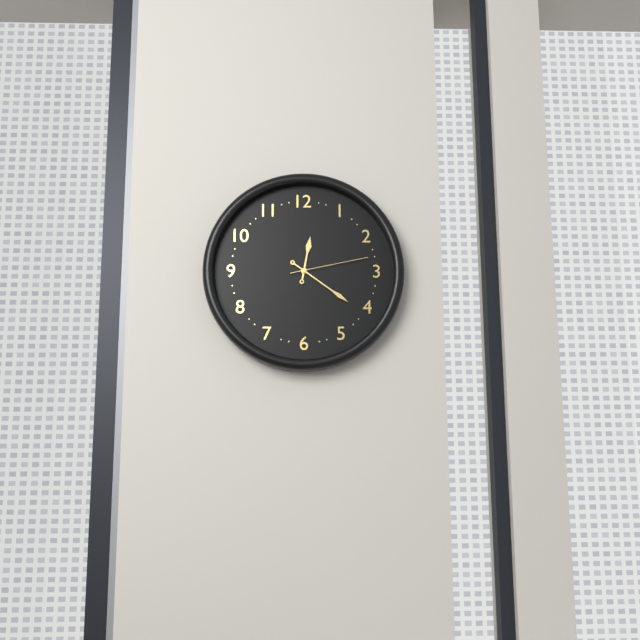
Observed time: 12:21:13
